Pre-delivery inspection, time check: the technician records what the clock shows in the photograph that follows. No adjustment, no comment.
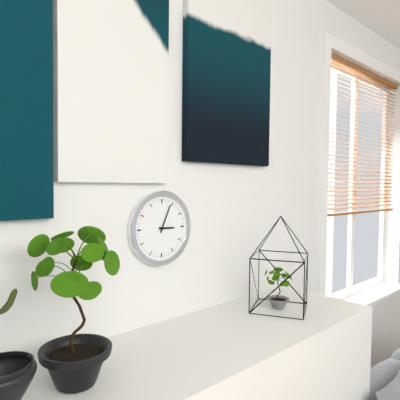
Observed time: 3:04
